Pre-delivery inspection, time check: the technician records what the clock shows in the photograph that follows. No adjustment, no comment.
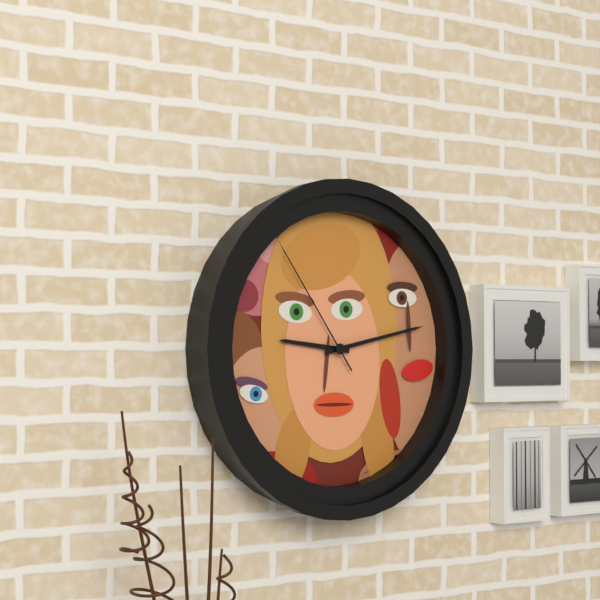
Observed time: 9:13:54
